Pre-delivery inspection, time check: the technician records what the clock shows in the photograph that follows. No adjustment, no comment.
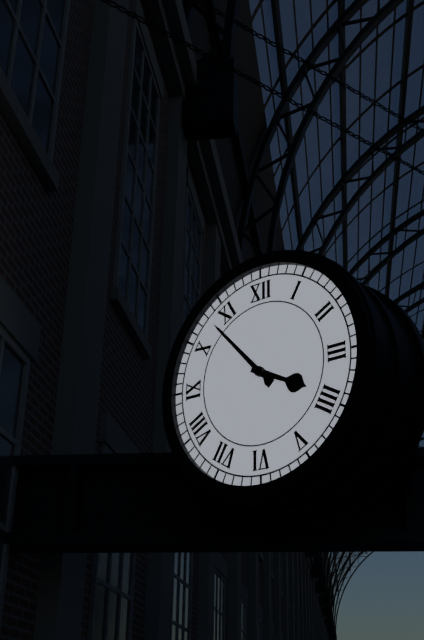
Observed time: 3:53
